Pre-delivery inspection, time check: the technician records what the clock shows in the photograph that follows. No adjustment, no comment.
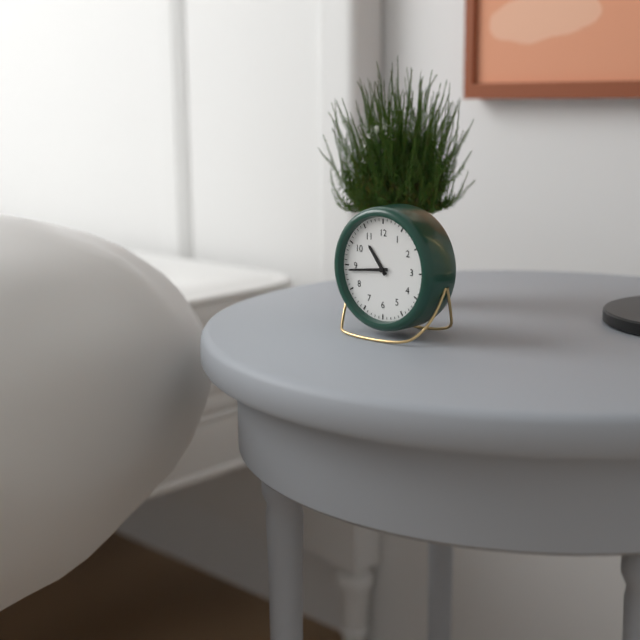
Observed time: 10:44
